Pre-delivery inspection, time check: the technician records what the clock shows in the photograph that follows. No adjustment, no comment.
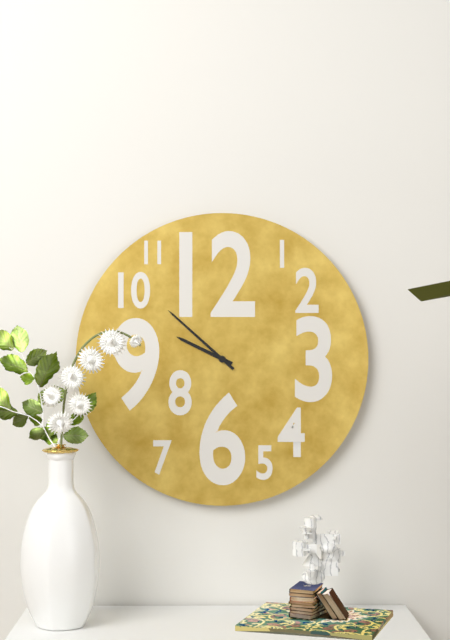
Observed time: 9:52
